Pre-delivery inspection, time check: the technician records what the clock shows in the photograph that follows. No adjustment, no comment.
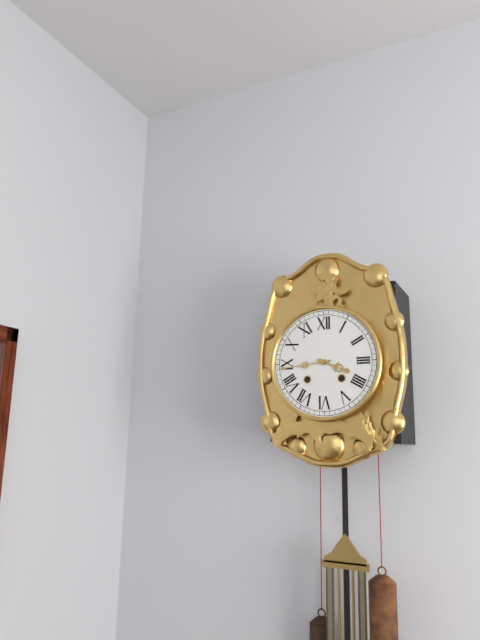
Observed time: 3:44
